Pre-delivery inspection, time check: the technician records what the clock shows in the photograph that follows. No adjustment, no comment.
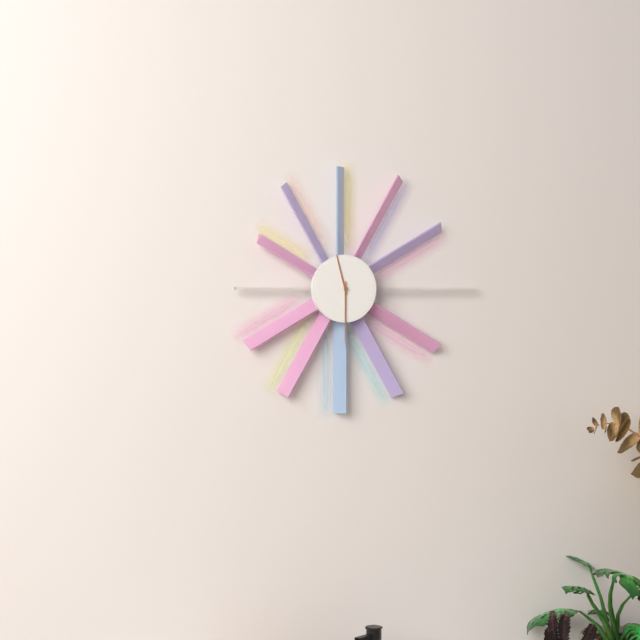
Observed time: 11:30
